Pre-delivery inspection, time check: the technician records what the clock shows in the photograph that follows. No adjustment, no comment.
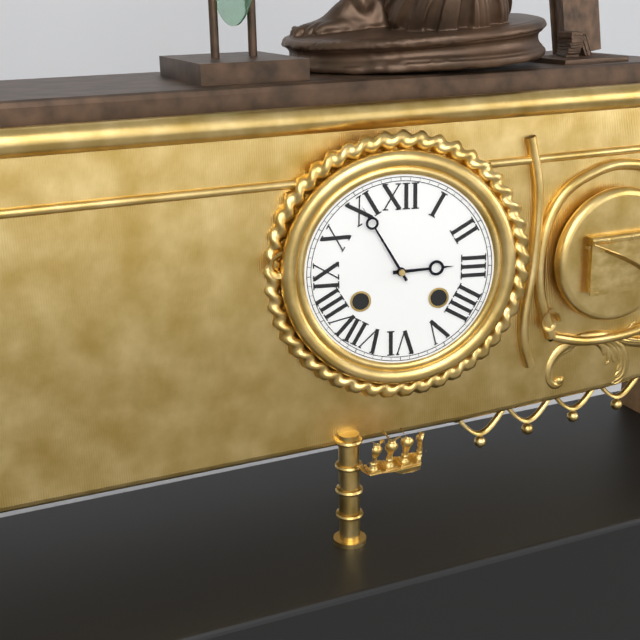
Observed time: 2:55
